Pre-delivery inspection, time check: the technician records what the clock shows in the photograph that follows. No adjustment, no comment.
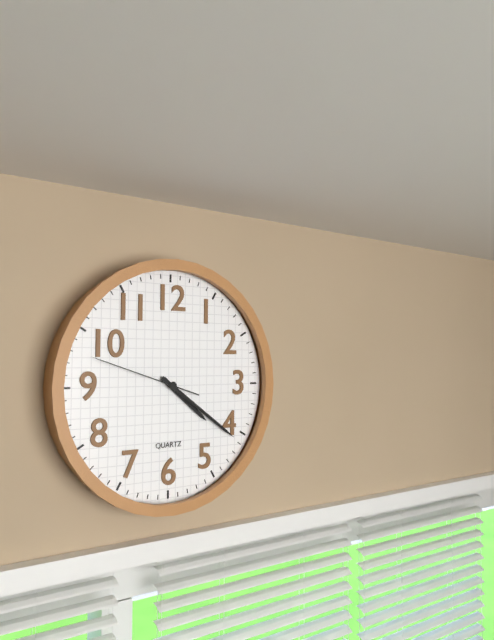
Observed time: 4:21:48
